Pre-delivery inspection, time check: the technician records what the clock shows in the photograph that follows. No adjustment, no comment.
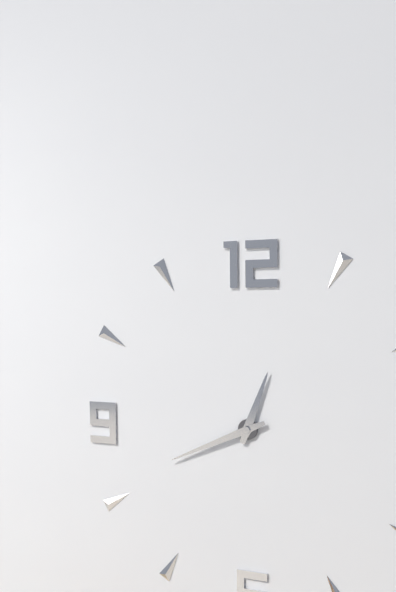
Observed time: 12:41
